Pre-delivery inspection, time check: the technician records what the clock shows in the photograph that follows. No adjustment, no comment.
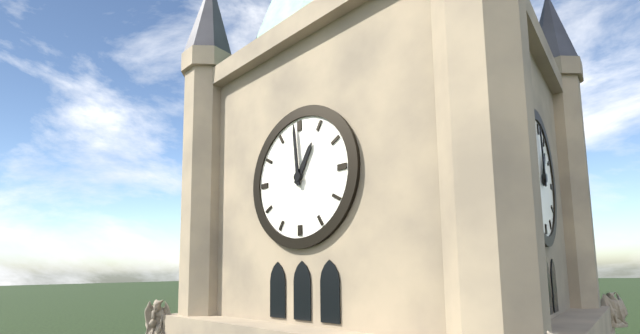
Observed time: 12:59
